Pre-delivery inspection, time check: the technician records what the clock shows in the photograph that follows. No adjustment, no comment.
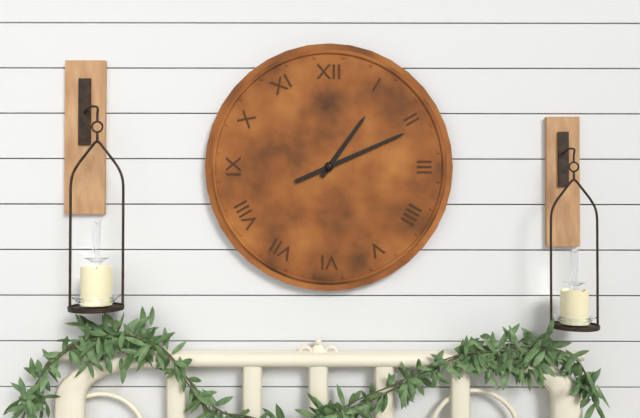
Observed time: 1:11
